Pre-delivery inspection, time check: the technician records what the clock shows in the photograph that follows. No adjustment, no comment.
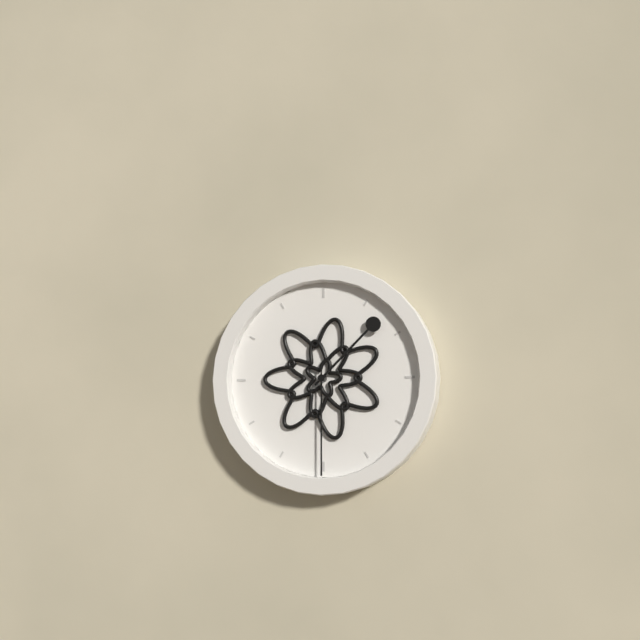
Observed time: 1:30
